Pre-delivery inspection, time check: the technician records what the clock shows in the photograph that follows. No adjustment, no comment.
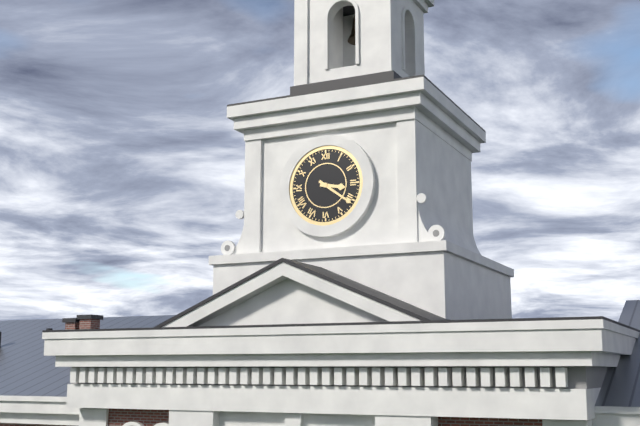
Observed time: 3:21
